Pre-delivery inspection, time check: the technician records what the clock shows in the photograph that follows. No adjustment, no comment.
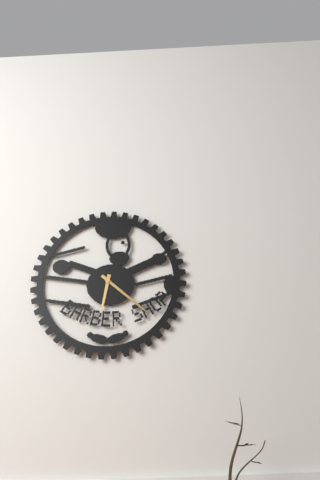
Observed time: 6:22
